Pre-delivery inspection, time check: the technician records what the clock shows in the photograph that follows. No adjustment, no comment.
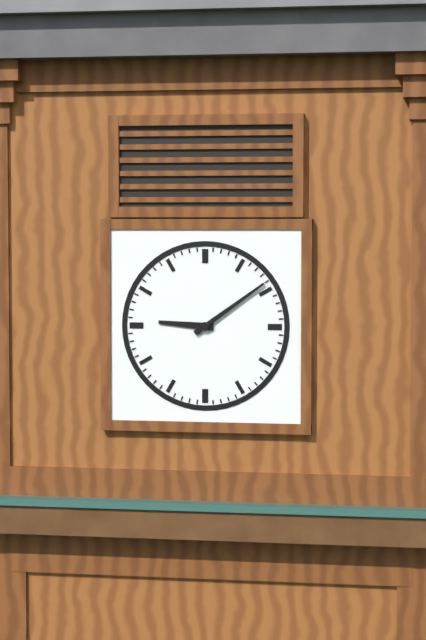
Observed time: 9:09
